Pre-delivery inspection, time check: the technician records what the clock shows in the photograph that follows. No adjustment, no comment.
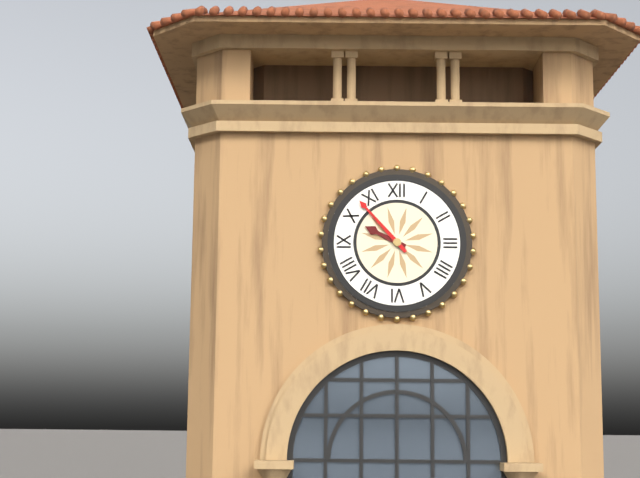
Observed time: 9:53
